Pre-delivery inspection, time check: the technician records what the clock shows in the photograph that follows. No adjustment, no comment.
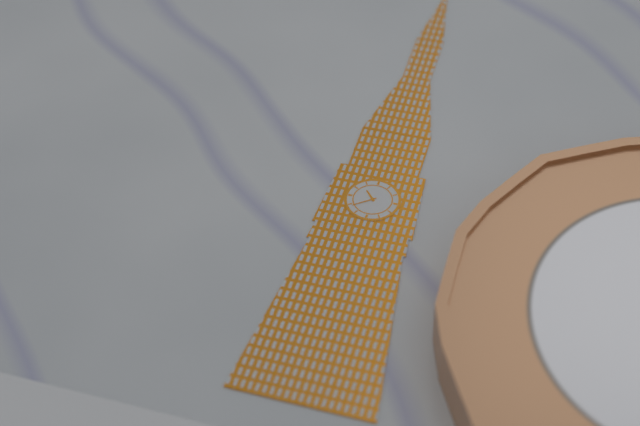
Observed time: 10:39
